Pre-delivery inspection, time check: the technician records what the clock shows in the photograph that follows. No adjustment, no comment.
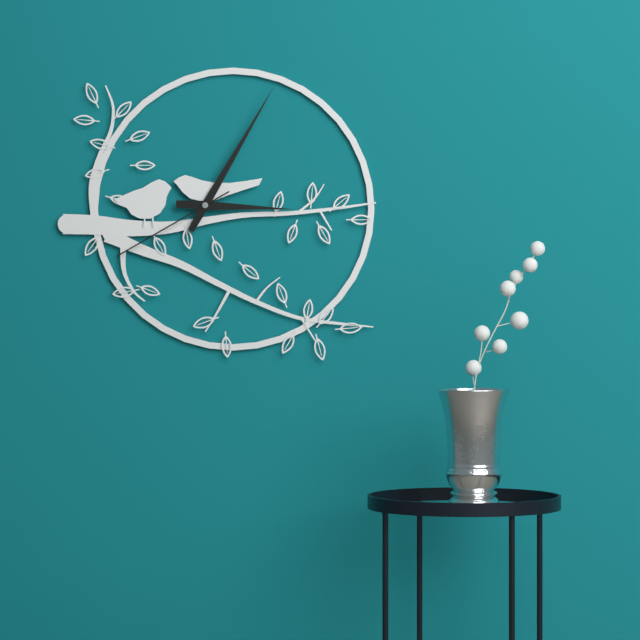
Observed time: 3:05:40
